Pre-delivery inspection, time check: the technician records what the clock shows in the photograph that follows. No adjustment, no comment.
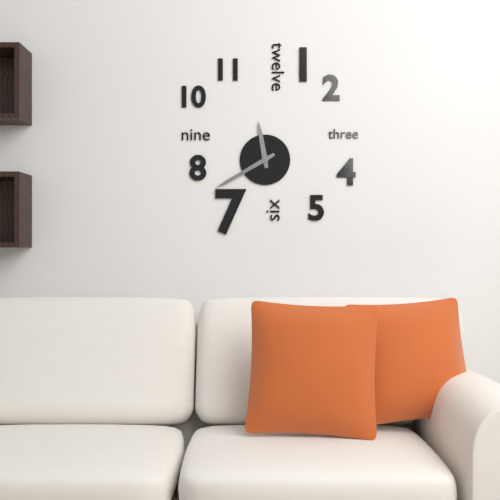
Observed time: 11:40
